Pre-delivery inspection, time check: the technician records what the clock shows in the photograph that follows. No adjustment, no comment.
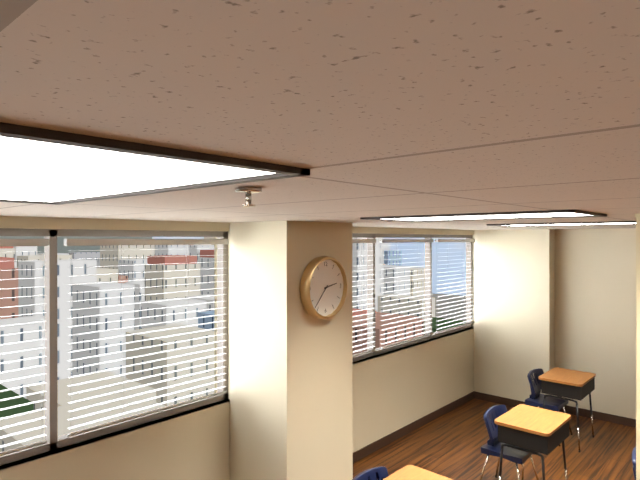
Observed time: 2:37
